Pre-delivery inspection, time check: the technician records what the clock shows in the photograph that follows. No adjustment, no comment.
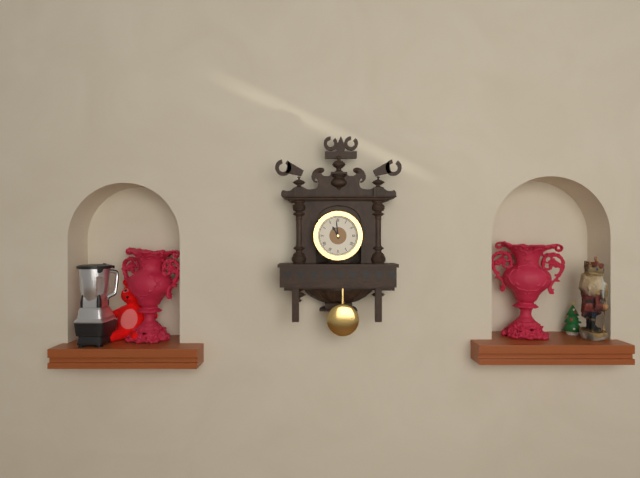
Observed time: 10:59
